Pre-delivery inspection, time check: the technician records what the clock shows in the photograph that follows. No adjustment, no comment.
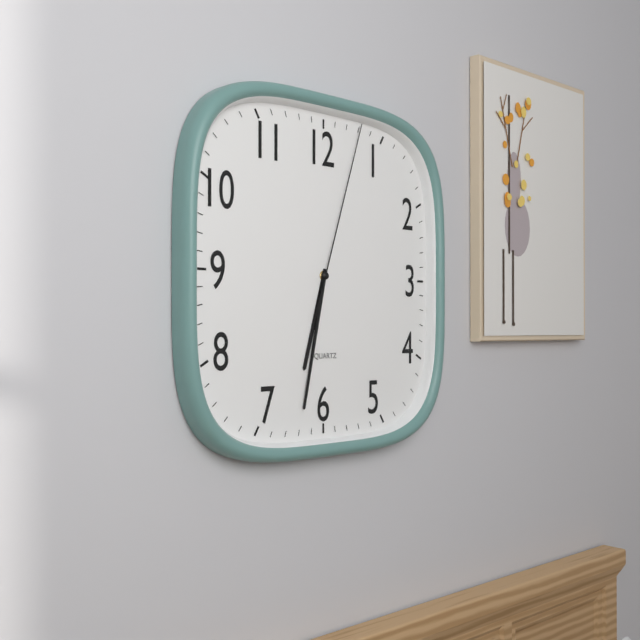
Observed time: 6:32:03
